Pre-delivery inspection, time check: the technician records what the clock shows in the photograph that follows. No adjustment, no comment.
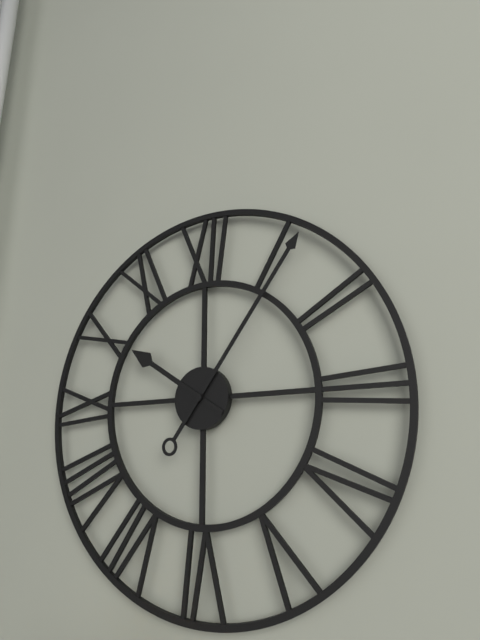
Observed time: 10:06
